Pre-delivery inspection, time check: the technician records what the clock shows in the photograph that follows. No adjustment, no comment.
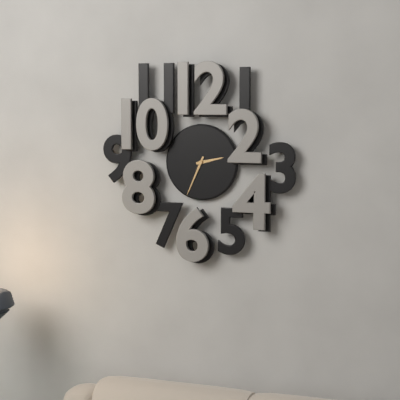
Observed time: 2:34
